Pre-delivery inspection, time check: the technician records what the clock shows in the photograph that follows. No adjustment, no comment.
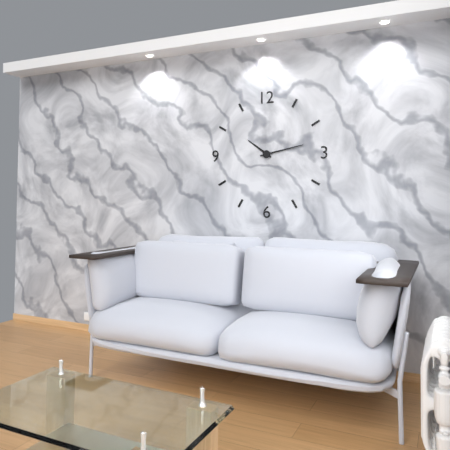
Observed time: 10:13
